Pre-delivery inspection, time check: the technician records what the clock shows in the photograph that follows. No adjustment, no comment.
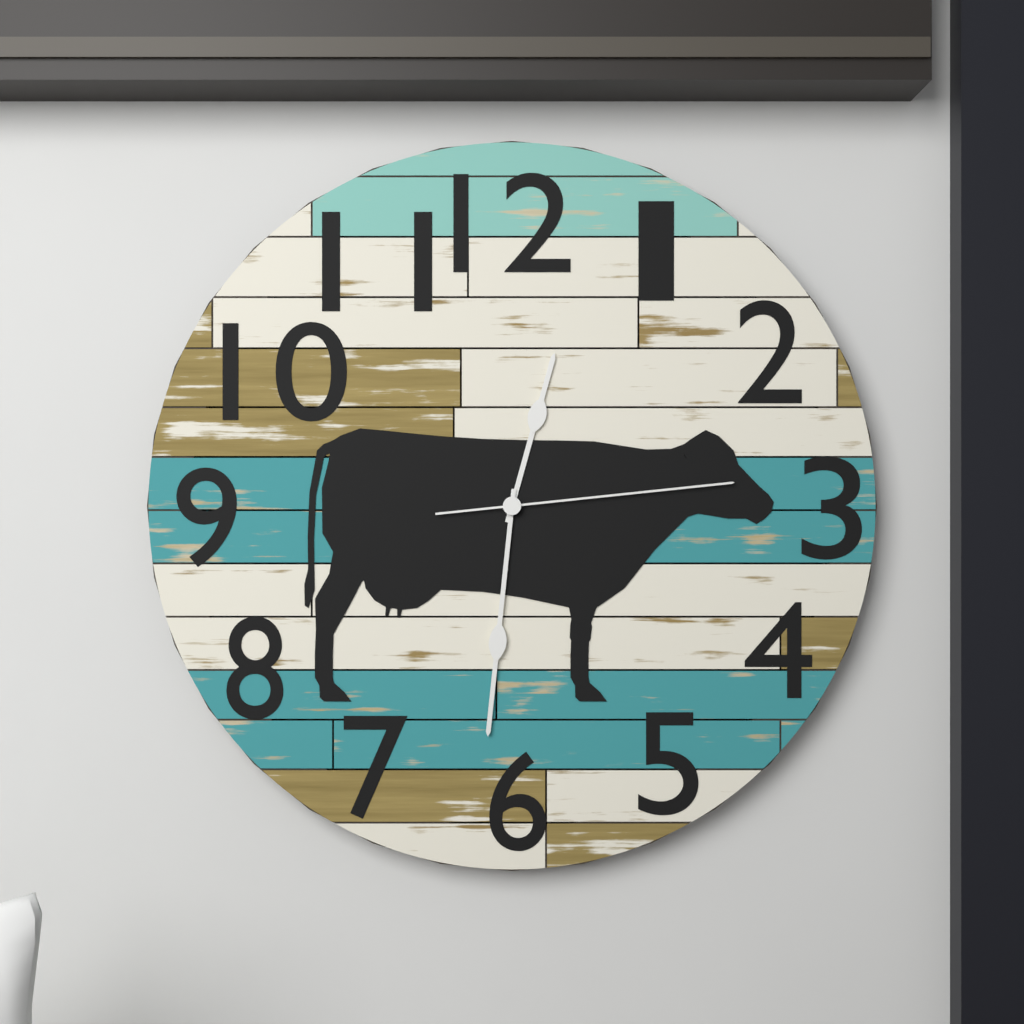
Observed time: 12:31:14
